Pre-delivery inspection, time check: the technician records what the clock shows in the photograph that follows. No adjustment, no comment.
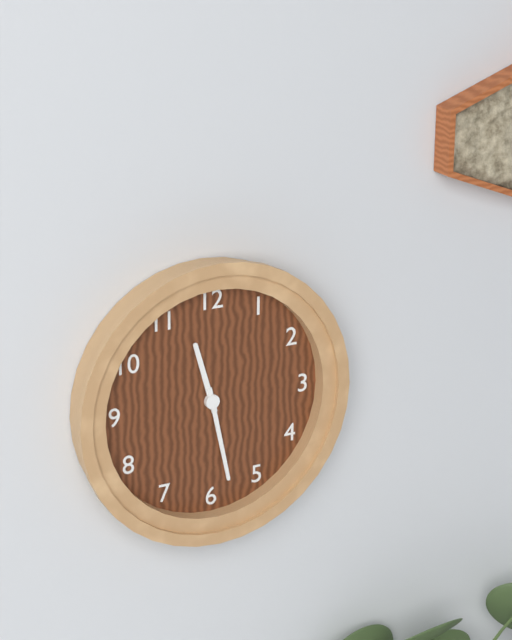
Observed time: 11:28
